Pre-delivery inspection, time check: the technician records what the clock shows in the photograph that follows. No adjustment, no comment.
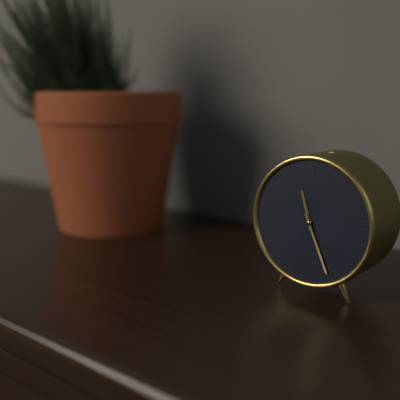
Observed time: 11:26
